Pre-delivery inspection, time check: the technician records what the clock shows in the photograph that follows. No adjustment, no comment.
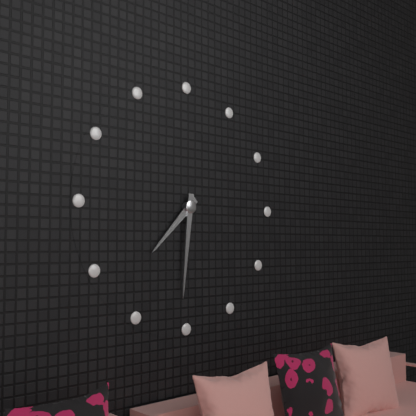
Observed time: 7:31
